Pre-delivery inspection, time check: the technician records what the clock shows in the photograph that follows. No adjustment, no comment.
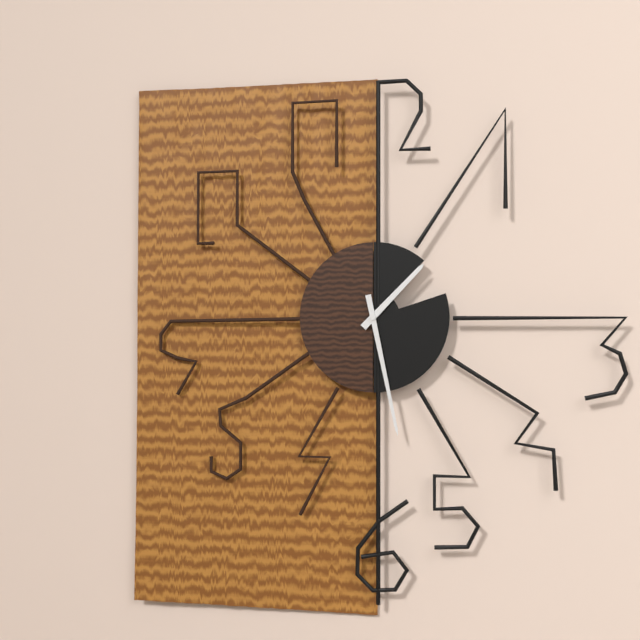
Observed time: 1:28
